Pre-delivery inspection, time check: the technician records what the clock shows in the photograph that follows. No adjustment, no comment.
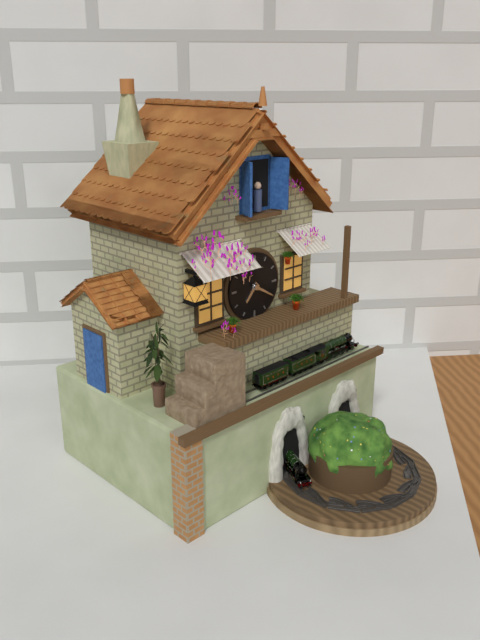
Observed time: 7:20
